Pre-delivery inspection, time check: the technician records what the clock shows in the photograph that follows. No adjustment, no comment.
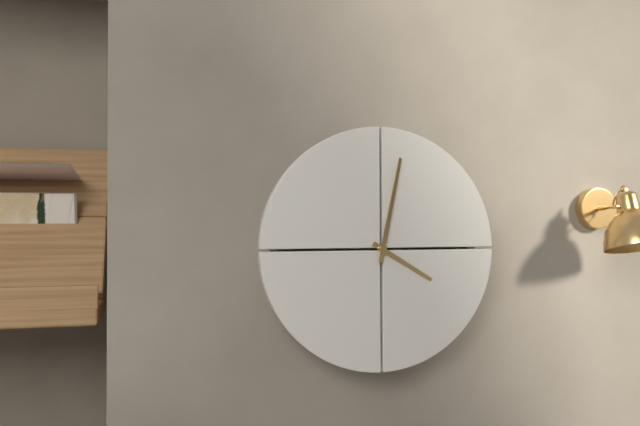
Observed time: 4:02
